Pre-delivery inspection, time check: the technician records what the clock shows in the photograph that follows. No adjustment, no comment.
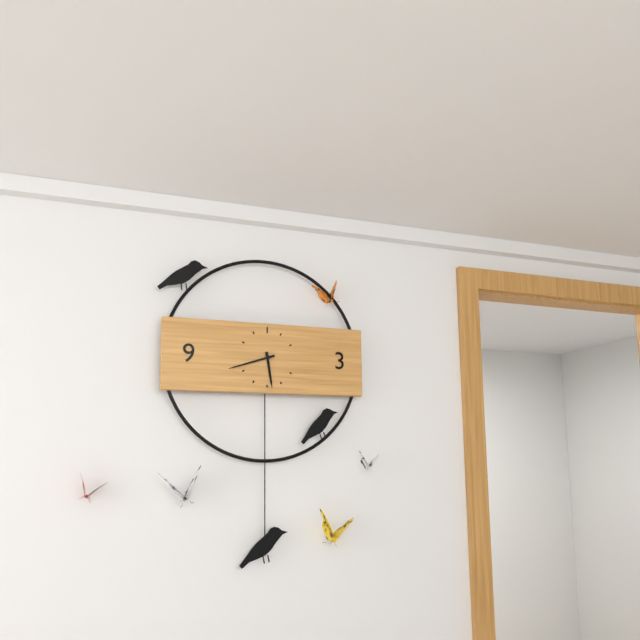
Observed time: 5:42
